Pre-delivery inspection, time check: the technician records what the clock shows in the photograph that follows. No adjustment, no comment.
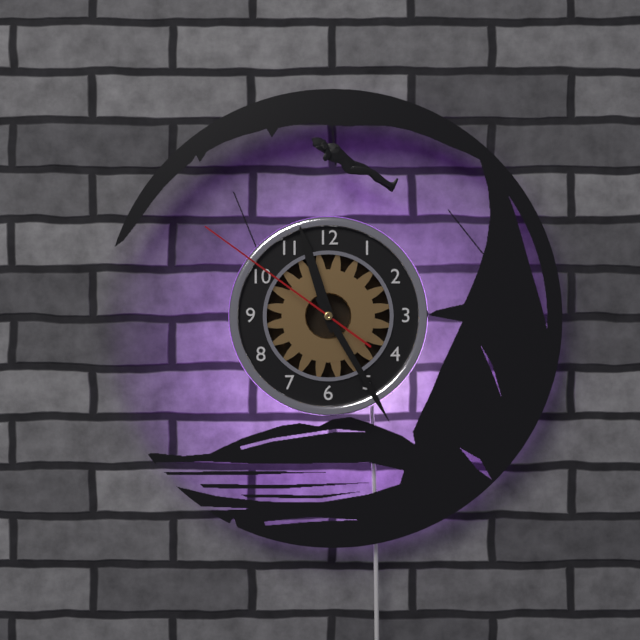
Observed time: 11:25:51
